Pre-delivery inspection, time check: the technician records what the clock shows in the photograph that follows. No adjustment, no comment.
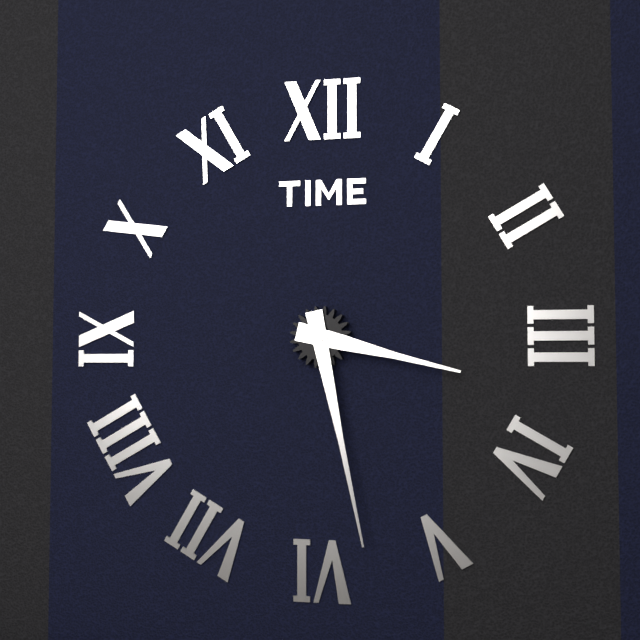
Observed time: 3:28
